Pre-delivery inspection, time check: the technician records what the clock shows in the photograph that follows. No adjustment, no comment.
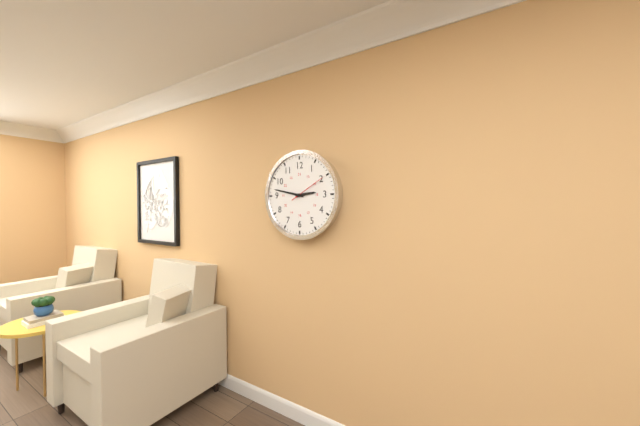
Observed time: 2:47
